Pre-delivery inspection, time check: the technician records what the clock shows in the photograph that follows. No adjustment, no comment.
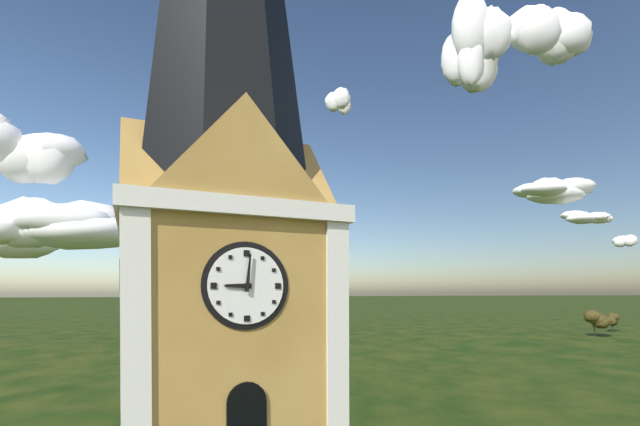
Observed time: 9:01
